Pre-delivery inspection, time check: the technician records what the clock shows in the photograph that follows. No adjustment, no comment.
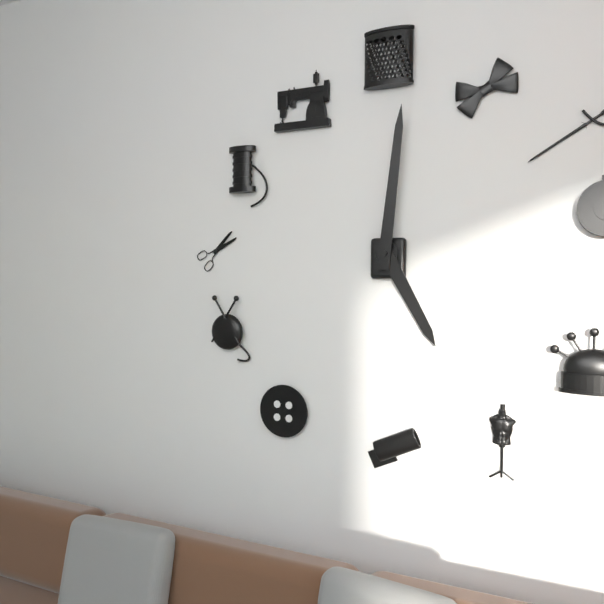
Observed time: 5:01
